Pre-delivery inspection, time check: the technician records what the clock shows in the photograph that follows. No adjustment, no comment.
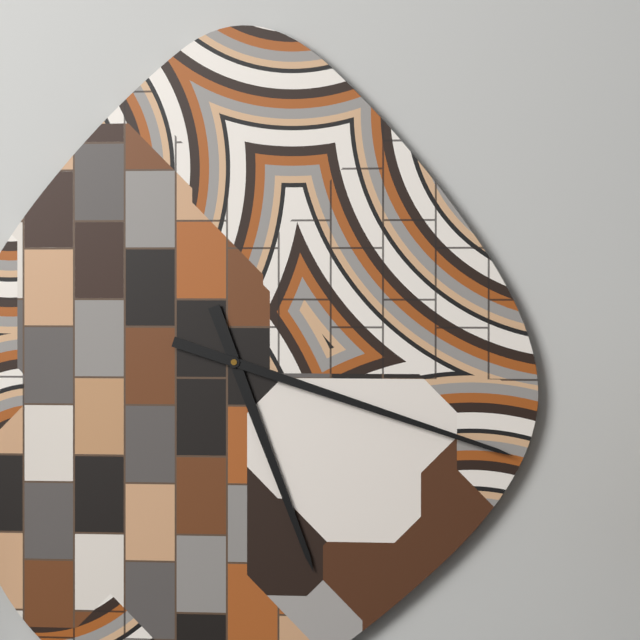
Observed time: 5:18
